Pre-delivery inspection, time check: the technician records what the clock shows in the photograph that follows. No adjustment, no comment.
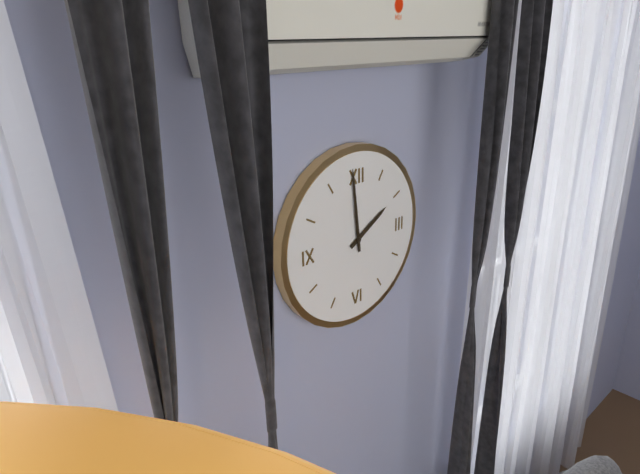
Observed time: 1:59
